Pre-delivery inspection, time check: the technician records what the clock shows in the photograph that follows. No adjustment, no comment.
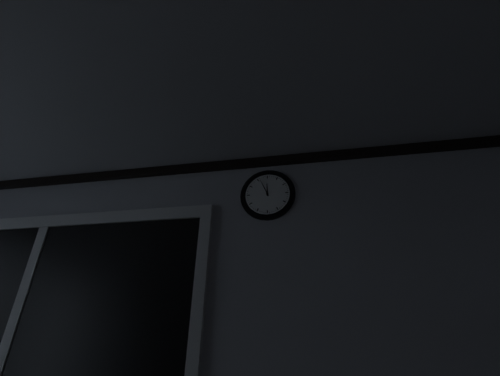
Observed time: 11:56
